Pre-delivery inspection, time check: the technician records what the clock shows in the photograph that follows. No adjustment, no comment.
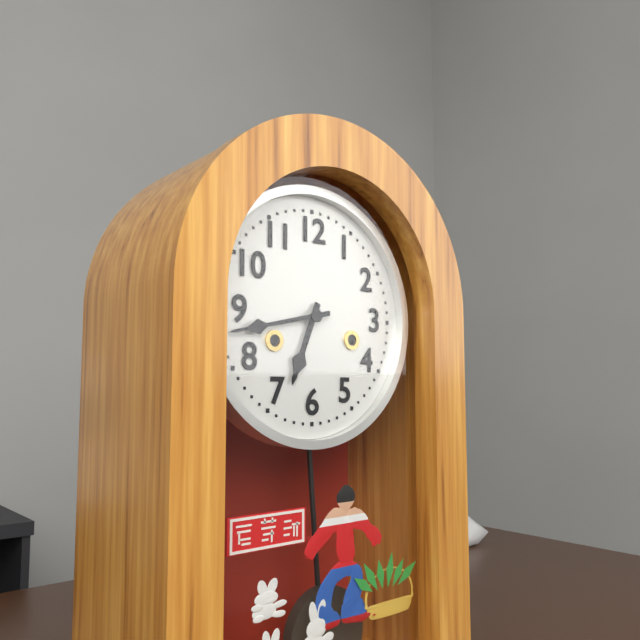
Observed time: 6:43
